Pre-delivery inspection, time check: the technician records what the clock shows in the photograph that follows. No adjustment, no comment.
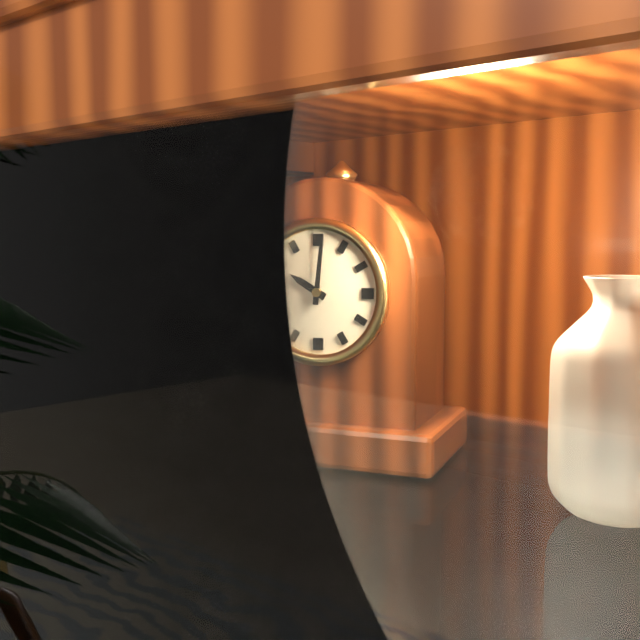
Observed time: 10:01
